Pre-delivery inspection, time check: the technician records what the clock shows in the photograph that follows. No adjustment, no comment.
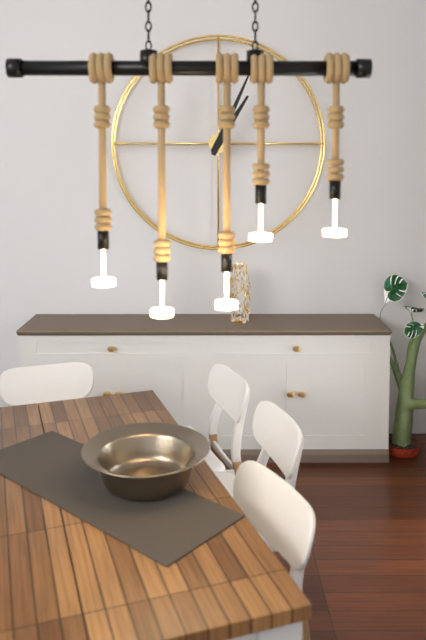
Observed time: 1:04
